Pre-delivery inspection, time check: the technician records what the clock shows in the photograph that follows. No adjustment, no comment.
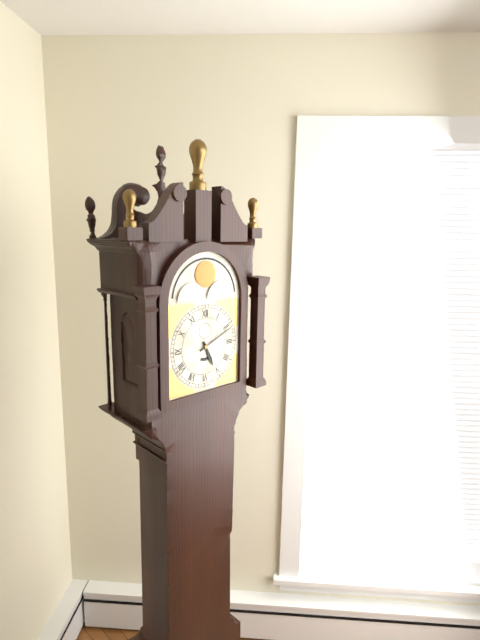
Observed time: 5:11
